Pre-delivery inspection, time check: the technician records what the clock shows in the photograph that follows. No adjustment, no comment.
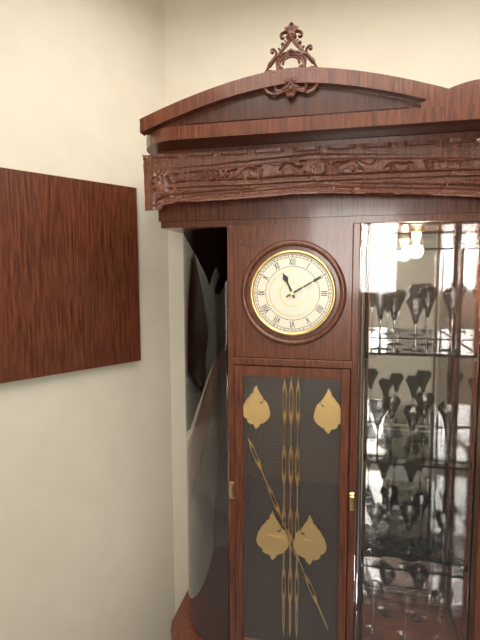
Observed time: 11:10
